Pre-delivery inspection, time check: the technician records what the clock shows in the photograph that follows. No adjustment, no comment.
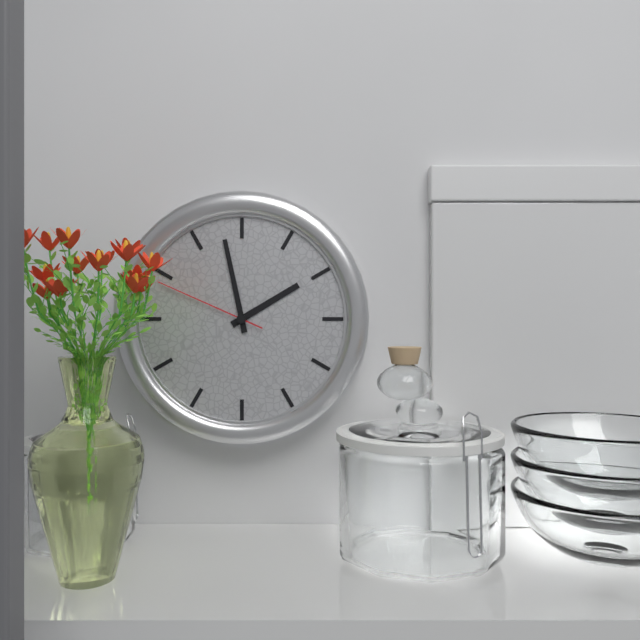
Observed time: 1:58:49
